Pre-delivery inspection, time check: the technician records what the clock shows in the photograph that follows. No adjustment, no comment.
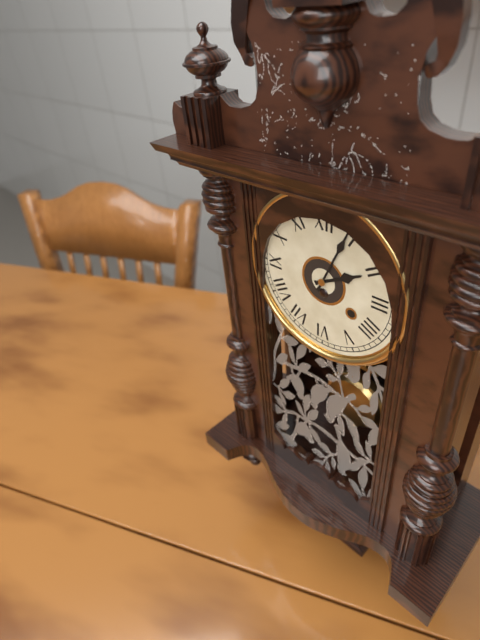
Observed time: 2:04
